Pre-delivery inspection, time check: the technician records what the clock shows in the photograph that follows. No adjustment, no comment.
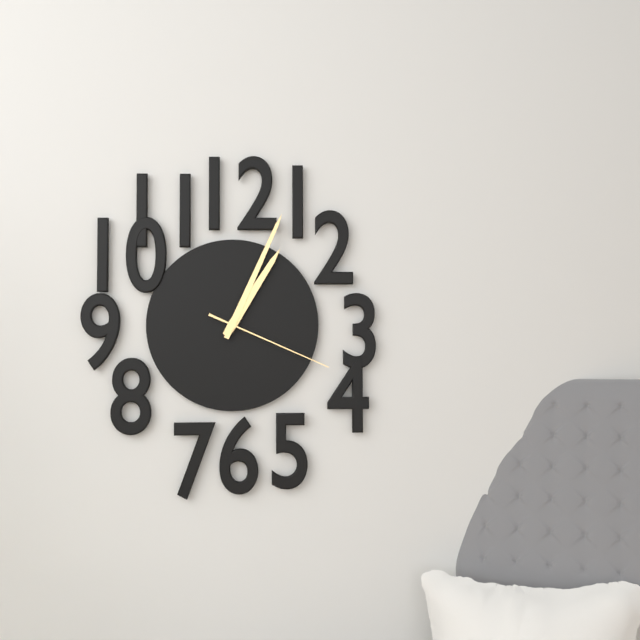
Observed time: 1:04:19
